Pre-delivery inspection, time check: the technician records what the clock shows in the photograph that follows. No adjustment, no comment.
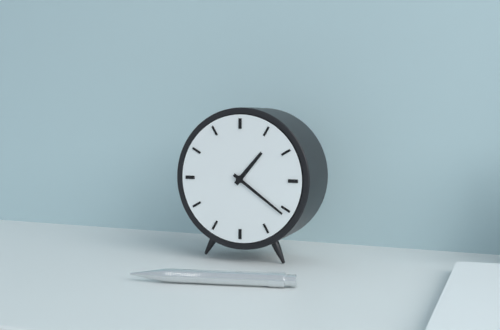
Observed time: 1:21
